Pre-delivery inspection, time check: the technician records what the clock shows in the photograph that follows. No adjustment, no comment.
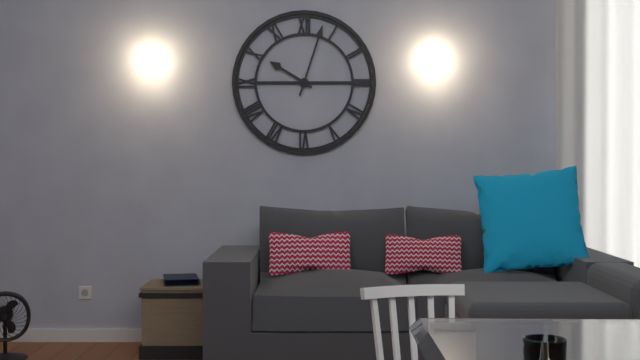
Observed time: 10:03
